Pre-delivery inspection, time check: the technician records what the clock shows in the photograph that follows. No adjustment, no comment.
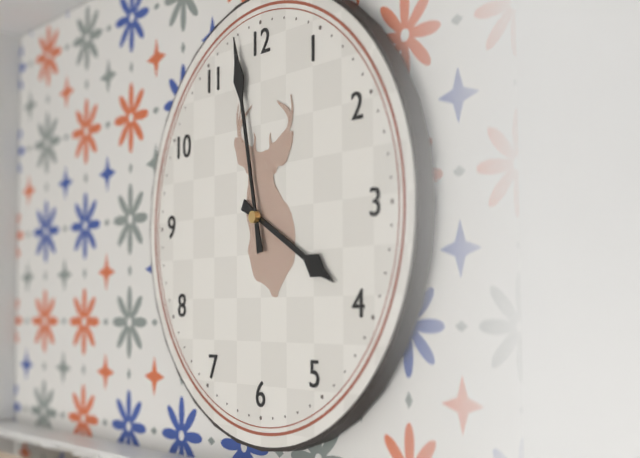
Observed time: 3:58
